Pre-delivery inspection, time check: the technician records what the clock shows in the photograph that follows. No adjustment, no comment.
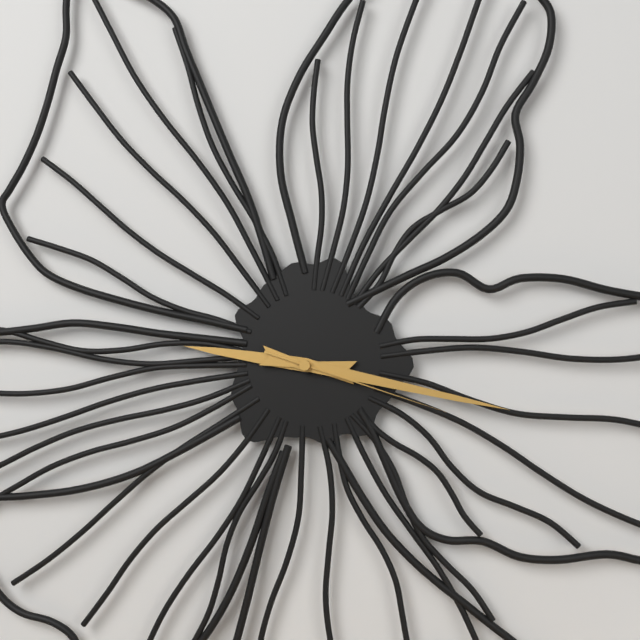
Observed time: 9:17:18
